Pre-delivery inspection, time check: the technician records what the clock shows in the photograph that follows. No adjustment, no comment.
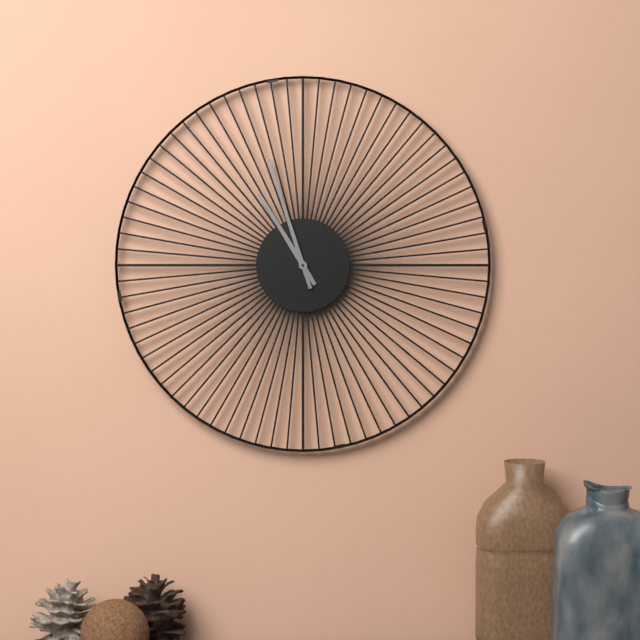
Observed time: 10:57
